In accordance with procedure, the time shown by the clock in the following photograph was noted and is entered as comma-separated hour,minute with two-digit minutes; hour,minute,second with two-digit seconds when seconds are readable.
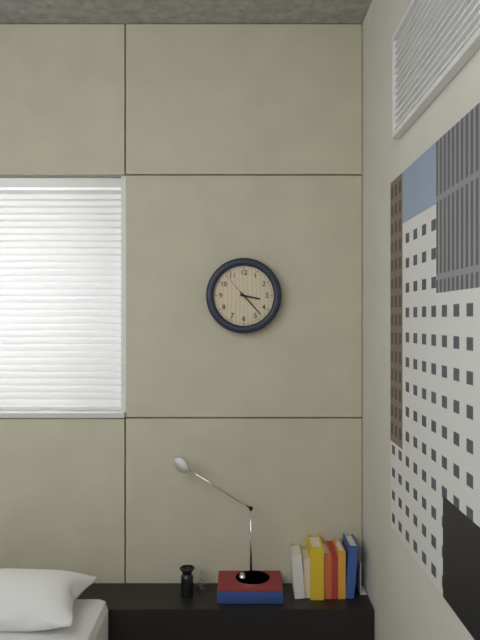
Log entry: 3,23
